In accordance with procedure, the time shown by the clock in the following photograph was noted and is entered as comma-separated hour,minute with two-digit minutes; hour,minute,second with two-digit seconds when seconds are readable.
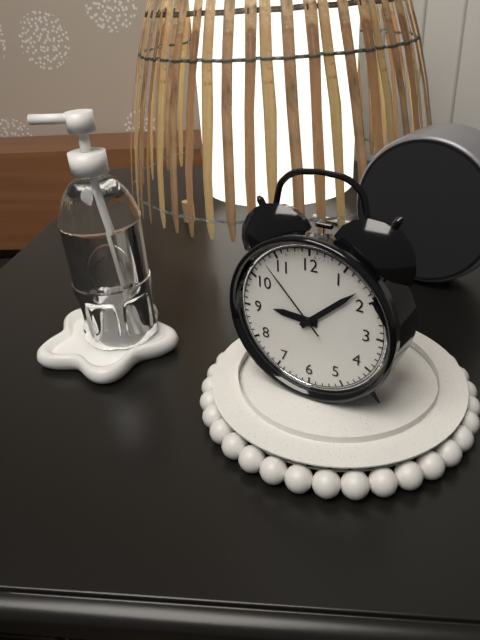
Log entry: 9,08,53
